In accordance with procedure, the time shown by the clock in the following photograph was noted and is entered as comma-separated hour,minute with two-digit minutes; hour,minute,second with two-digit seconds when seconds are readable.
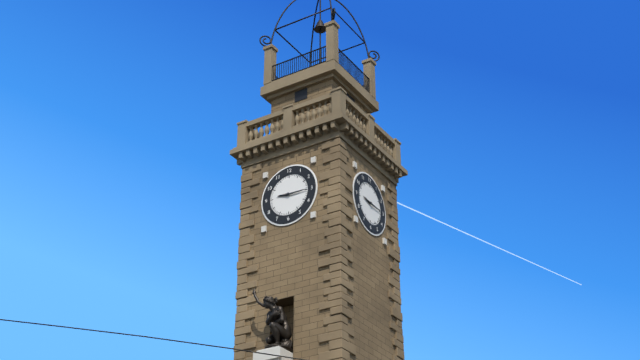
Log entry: 9,15
